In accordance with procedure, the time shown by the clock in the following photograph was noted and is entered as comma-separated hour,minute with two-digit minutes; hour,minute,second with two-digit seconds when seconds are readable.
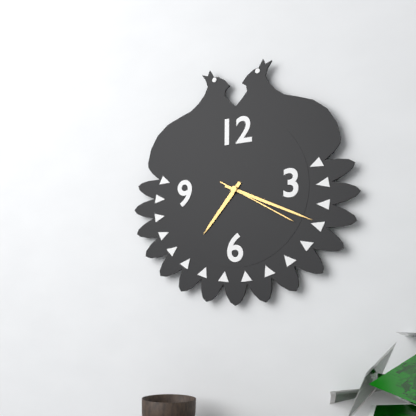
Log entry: 7,19,20
